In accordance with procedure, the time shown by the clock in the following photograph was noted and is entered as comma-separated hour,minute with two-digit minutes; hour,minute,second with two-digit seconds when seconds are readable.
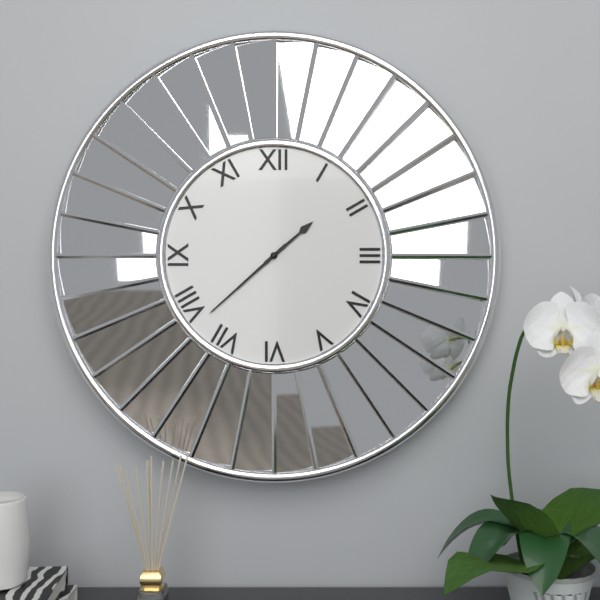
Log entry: 1,38
